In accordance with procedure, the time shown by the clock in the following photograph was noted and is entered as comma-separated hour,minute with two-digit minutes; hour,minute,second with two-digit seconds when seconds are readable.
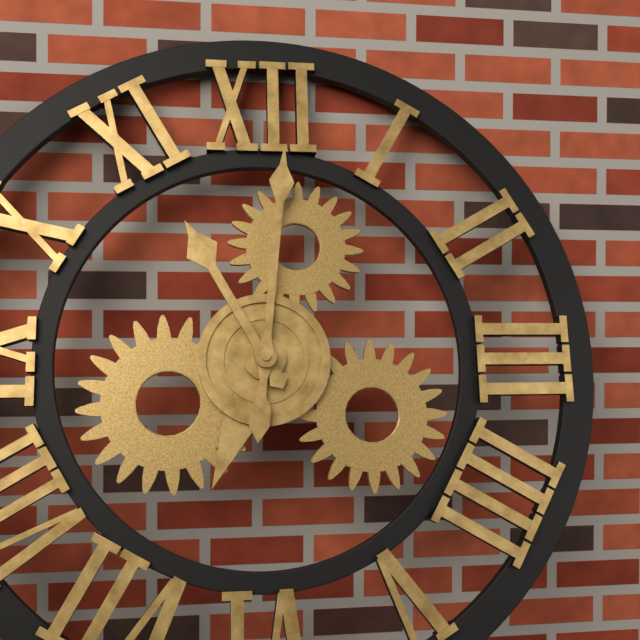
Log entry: 11,01
